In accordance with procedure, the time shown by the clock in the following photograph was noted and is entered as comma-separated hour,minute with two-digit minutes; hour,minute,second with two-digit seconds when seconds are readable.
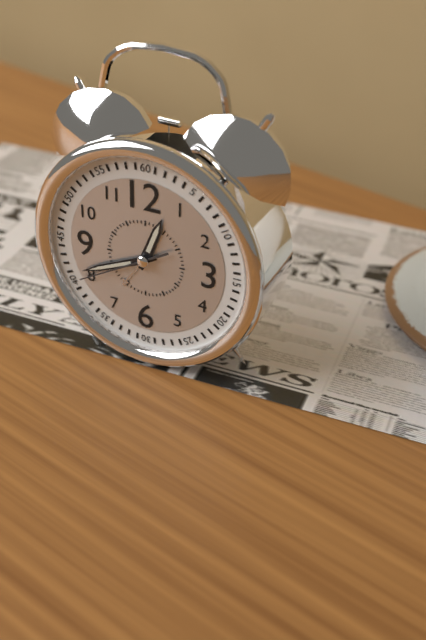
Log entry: 12,41,40
